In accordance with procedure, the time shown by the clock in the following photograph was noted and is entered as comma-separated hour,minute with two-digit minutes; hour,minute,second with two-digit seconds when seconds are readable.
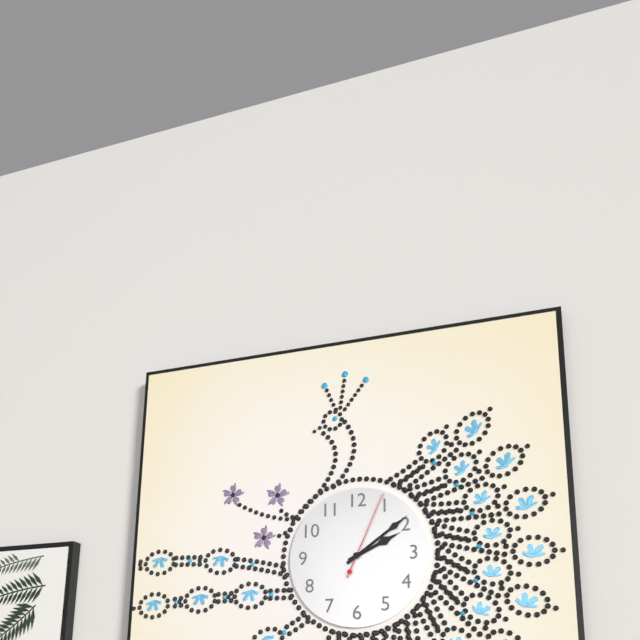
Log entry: 2,09,04
